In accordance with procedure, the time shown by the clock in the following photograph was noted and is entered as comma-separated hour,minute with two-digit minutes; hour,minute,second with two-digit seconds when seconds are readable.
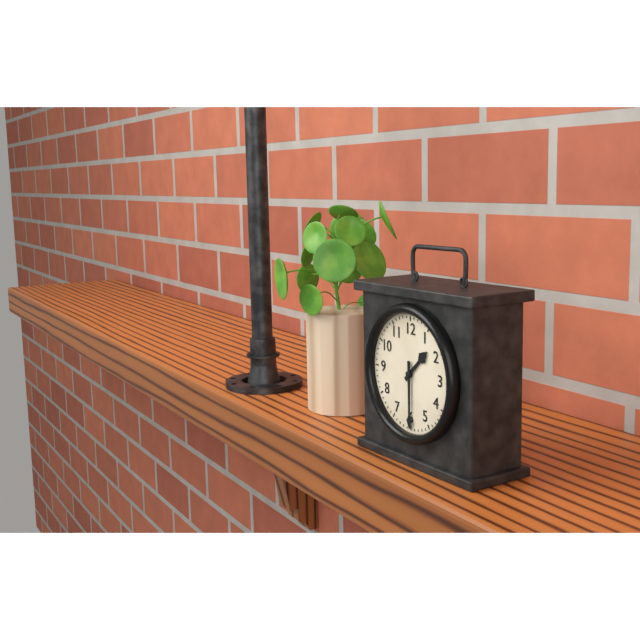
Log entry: 1,30
